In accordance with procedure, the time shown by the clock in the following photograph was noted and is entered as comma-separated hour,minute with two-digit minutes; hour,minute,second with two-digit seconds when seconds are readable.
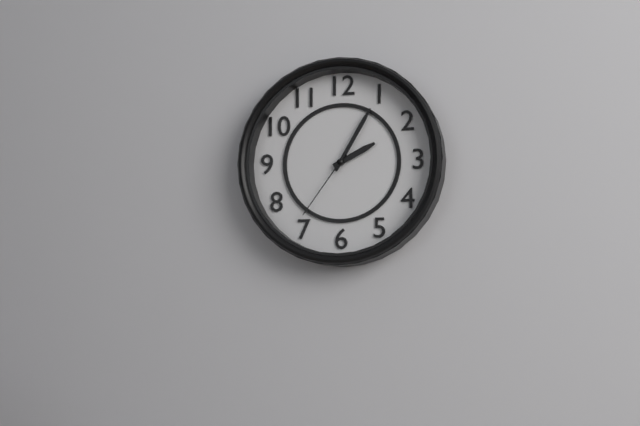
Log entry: 2,05,36
